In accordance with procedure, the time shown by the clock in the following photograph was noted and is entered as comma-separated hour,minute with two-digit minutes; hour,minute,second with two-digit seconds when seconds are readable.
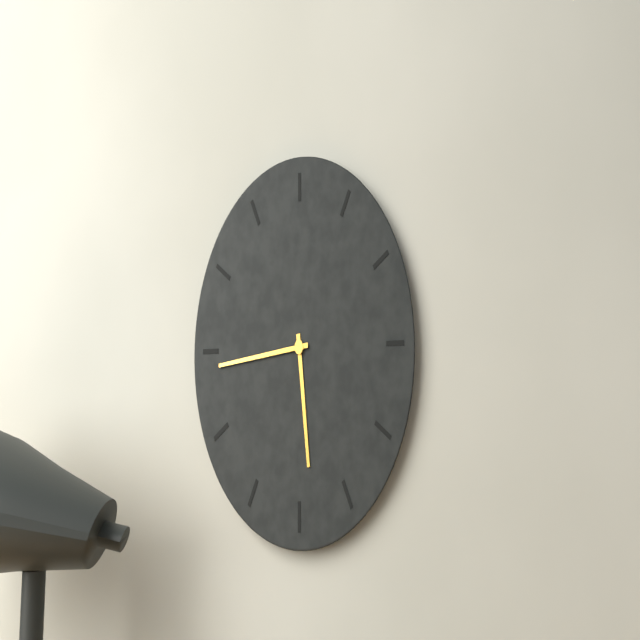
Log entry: 5,44
